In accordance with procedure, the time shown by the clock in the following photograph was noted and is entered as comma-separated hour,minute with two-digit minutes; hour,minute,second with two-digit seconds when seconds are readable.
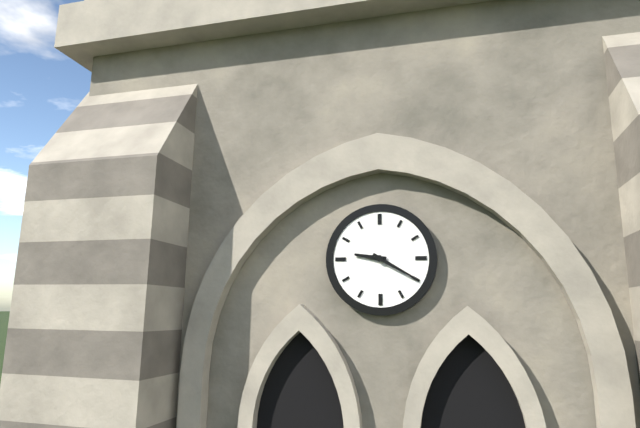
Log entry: 9,20
